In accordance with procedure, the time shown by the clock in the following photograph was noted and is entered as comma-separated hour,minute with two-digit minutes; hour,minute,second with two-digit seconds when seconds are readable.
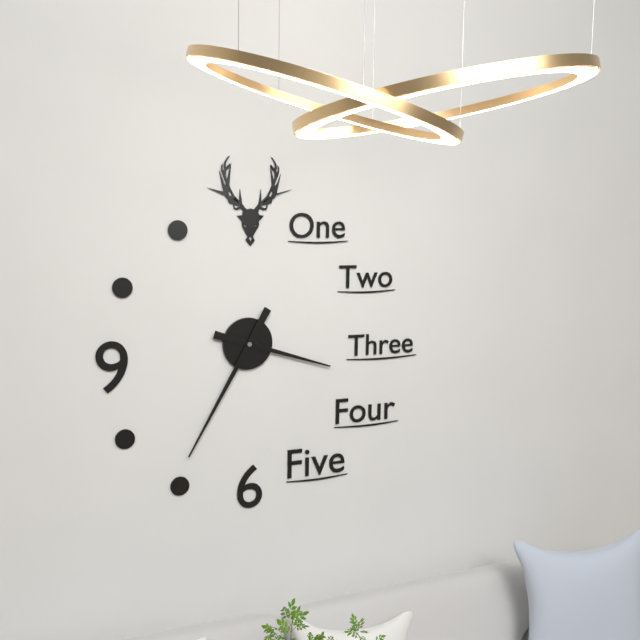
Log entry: 3,35
